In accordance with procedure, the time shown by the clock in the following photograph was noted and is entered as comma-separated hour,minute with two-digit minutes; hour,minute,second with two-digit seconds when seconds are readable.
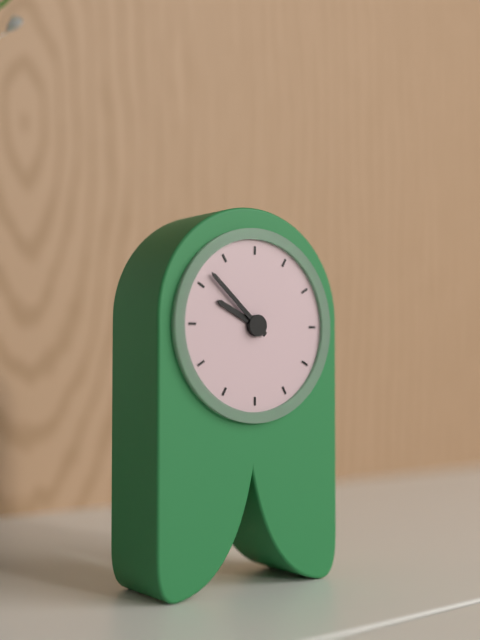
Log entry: 9,52
